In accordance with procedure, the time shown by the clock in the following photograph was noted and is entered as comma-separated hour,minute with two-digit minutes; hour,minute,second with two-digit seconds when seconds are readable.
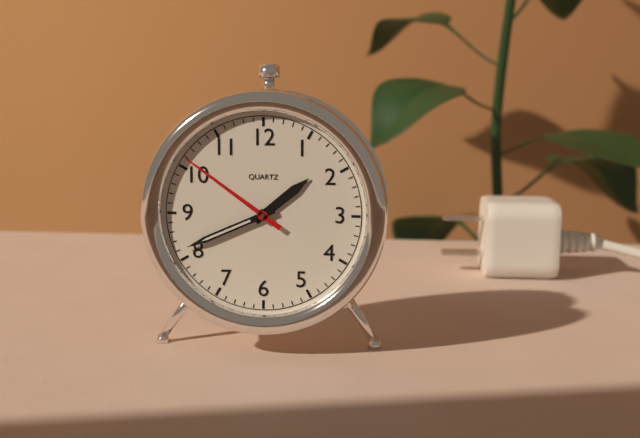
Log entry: 1,41,51
